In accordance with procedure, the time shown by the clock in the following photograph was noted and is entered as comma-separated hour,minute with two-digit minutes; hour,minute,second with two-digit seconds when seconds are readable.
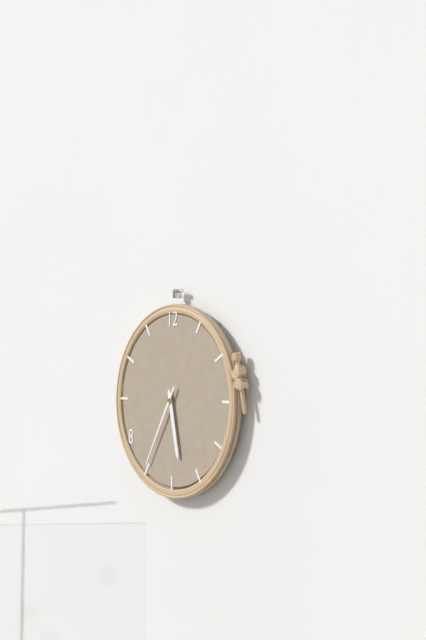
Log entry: 5,35
